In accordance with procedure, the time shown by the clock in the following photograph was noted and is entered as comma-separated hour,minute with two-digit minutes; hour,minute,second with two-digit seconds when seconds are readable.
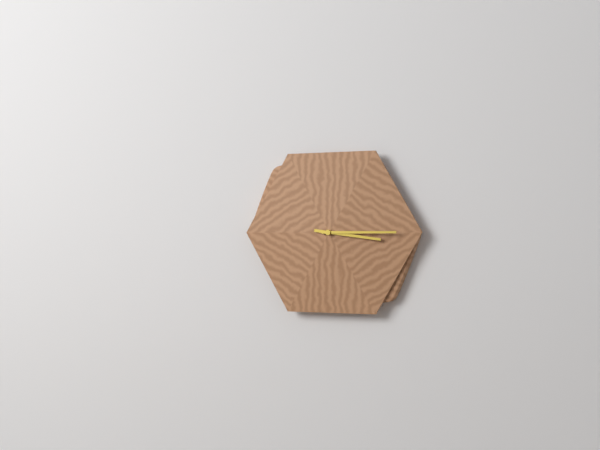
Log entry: 3,15
